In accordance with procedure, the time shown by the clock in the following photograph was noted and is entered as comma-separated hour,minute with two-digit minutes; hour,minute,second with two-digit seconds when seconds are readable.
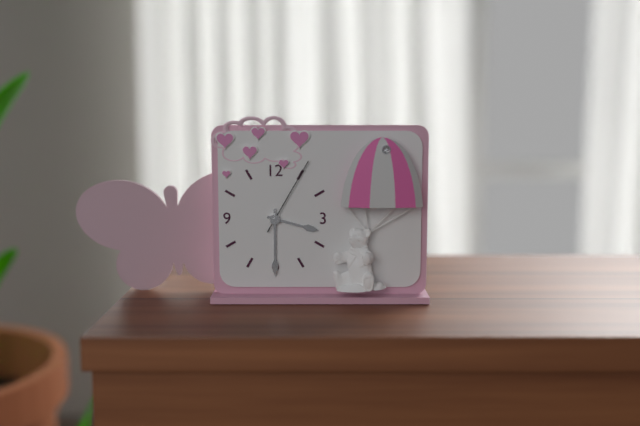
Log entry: 3,30,05
